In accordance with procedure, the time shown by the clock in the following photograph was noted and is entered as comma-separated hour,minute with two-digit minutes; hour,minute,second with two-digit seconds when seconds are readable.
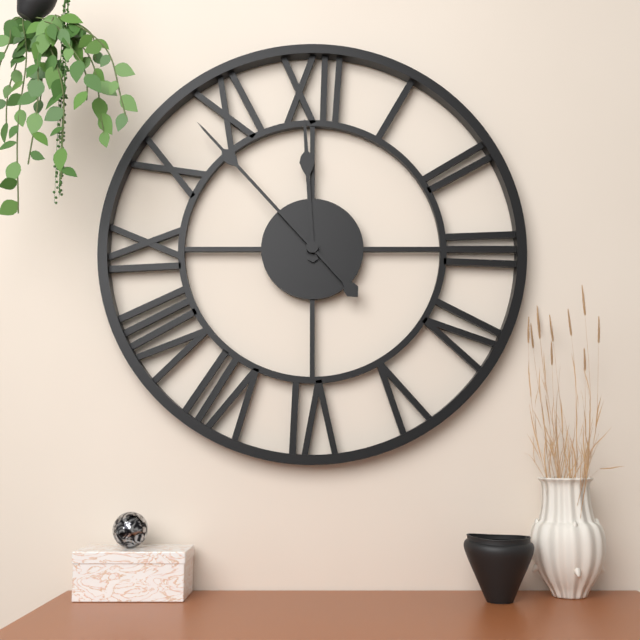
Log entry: 11,53
